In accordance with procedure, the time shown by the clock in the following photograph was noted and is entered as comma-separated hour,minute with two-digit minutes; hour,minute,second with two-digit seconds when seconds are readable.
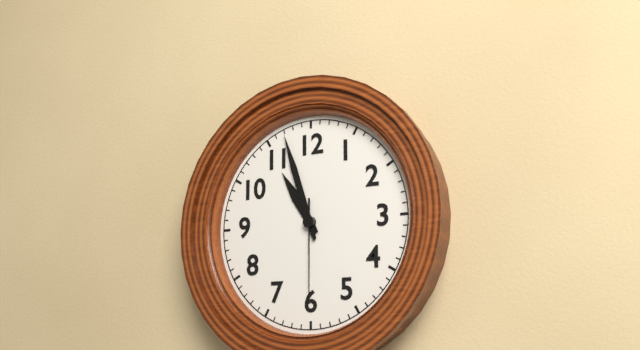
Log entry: 10,57,30
